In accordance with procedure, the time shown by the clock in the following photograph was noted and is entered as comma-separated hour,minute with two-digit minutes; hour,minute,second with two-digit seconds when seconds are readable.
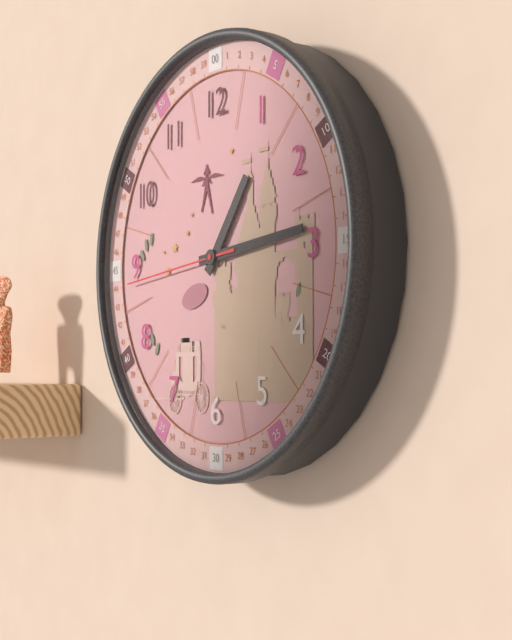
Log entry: 1,14,44
